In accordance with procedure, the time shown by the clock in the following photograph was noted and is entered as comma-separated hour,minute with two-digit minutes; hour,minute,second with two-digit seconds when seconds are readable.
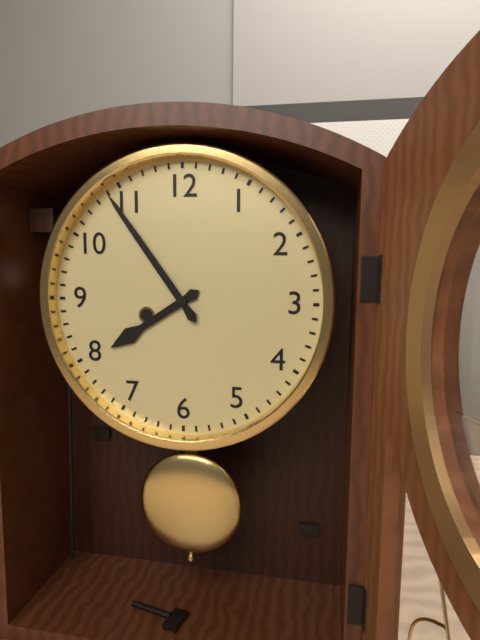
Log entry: 7,54
